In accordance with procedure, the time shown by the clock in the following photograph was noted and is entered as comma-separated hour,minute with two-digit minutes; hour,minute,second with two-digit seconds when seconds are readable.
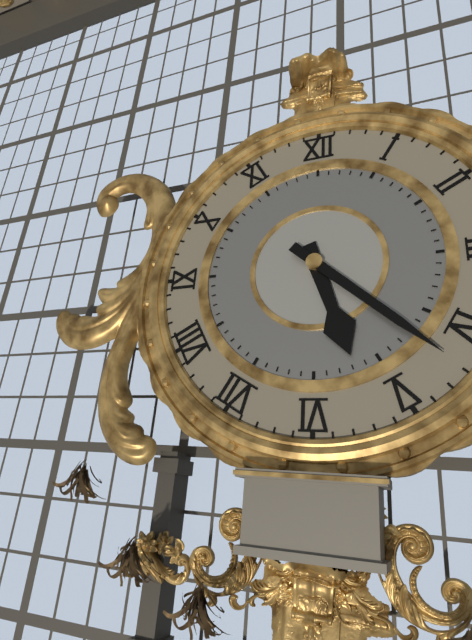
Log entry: 5,22
